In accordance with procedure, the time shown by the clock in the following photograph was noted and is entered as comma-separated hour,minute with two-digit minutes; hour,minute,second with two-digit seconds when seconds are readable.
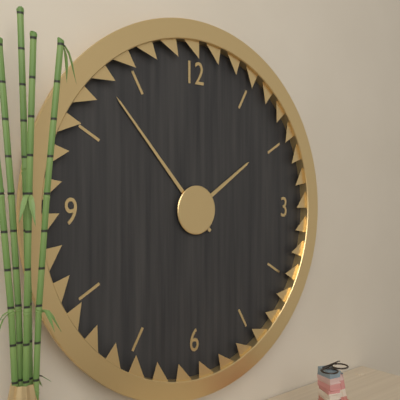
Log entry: 1,53
